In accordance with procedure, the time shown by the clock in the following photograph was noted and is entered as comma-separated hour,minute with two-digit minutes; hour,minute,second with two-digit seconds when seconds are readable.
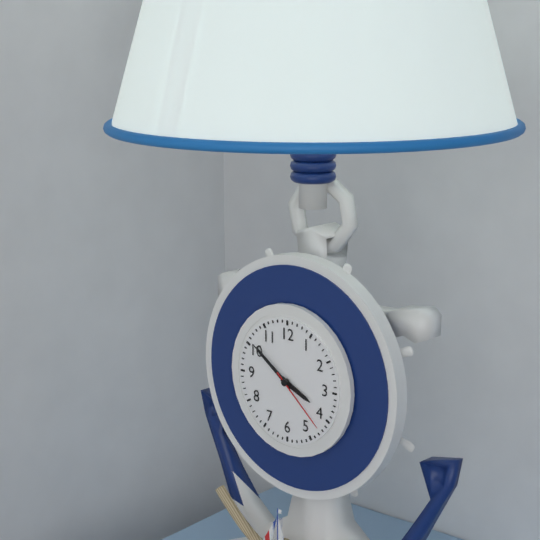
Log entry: 3,51,22
